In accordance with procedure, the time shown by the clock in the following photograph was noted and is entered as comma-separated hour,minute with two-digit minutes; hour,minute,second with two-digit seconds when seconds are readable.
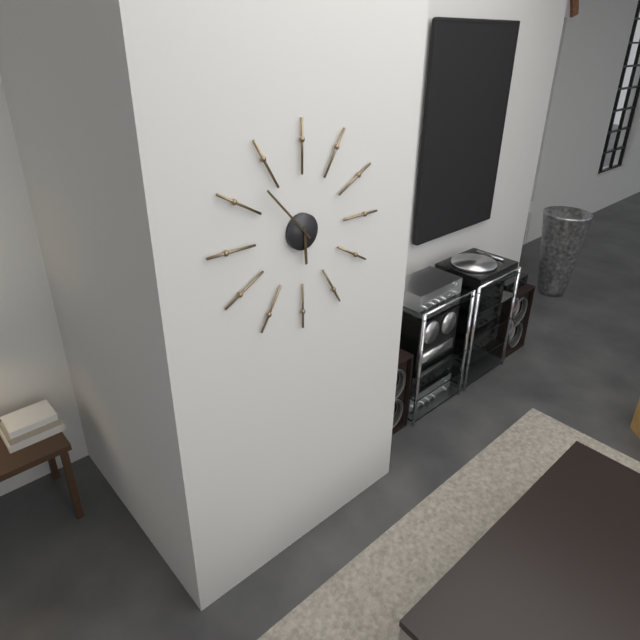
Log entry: 5,53
